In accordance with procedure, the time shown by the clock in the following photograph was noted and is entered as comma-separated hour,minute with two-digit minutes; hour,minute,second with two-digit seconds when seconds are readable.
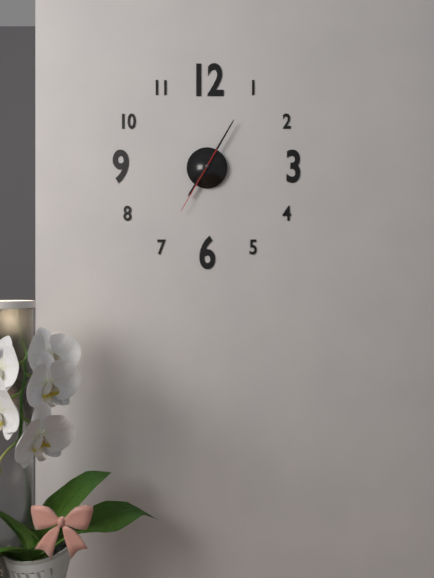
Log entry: 7,05,35
